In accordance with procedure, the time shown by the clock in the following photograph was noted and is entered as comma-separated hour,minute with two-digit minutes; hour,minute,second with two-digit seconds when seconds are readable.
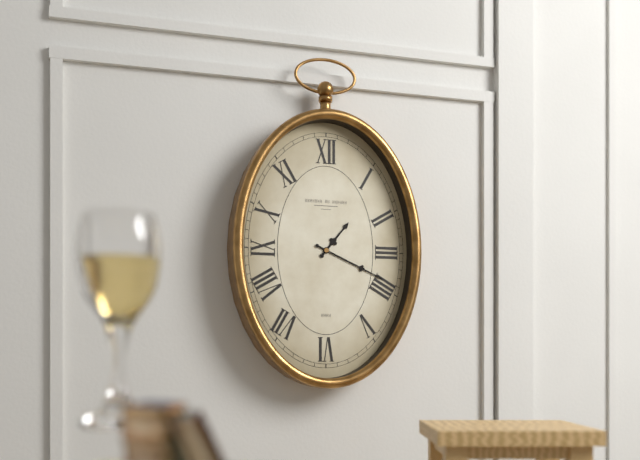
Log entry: 1,19
